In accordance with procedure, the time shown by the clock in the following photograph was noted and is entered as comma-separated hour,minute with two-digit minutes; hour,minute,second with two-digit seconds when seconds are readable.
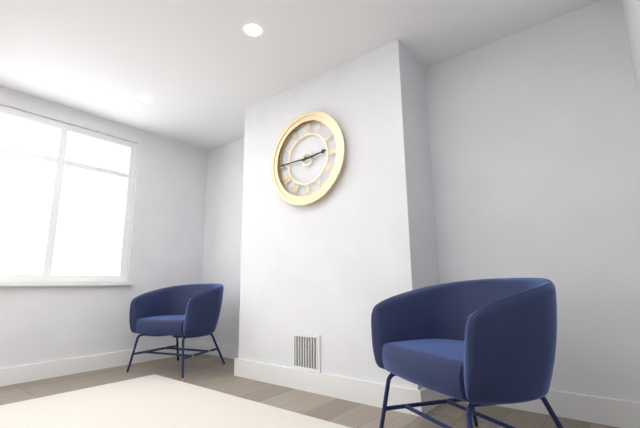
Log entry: 2,45
